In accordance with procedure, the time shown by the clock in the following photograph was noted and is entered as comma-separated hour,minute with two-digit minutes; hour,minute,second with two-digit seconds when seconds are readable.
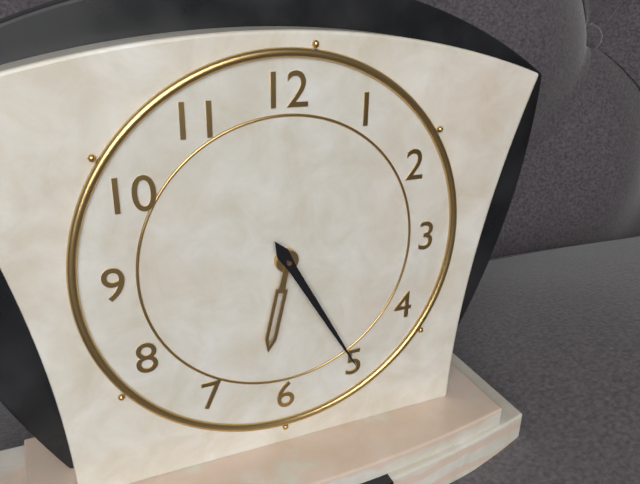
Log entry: 6,25
